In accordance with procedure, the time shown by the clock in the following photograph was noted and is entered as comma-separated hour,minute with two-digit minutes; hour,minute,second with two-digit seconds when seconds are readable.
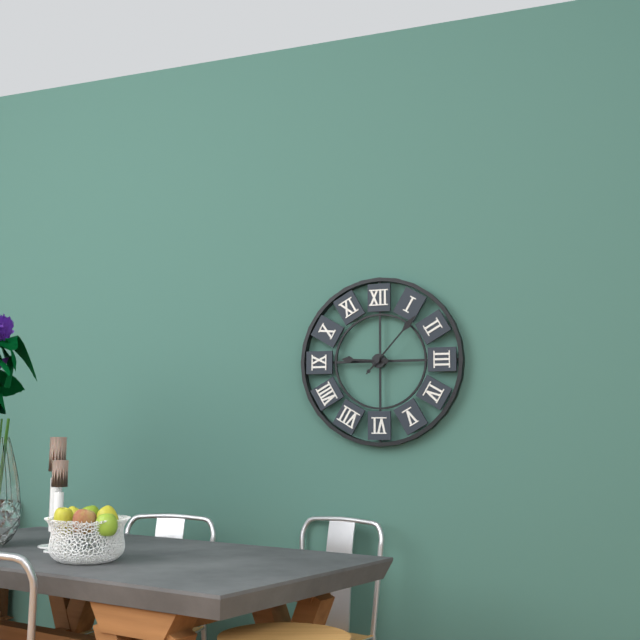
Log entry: 9,07
